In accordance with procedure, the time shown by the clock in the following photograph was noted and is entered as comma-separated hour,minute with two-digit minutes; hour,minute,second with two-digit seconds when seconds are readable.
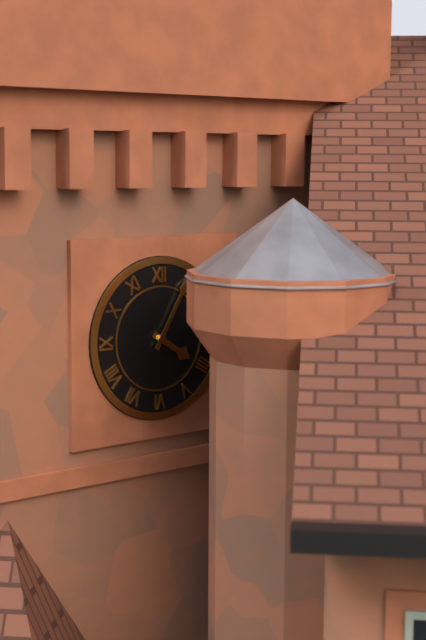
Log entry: 4,05
